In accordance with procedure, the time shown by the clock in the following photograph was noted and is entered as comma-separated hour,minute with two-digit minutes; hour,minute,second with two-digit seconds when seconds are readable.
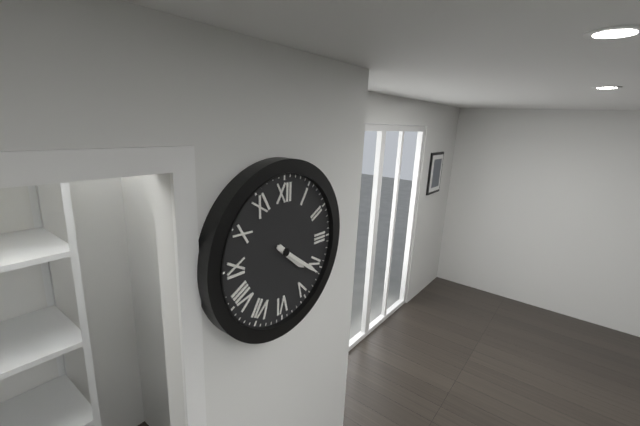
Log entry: 4,21
